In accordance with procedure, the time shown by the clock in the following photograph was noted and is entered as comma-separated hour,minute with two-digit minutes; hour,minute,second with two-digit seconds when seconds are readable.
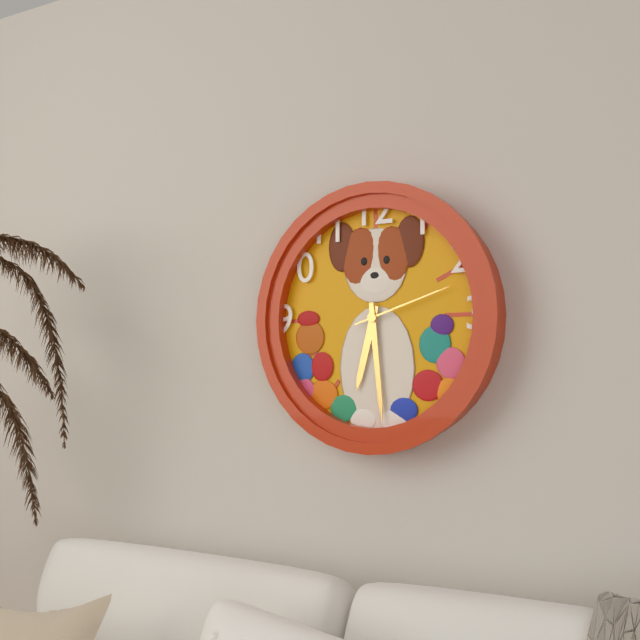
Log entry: 6,29,12
